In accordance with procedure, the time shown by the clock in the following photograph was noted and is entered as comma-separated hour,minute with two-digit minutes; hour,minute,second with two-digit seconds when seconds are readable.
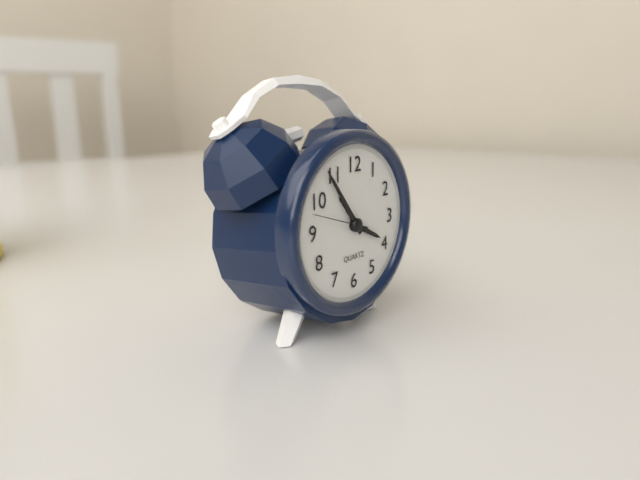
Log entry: 3,54,48
